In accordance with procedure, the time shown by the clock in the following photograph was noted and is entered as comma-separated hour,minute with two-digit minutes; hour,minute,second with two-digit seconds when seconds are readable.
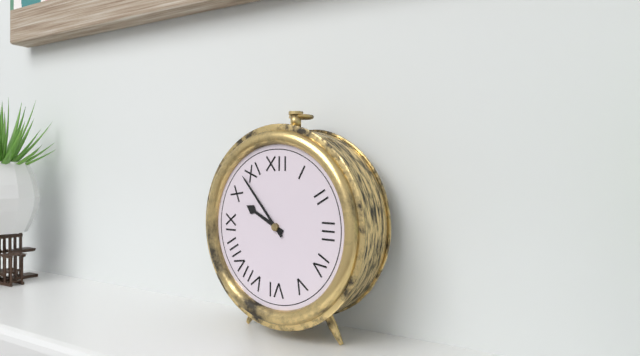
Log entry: 9,53
